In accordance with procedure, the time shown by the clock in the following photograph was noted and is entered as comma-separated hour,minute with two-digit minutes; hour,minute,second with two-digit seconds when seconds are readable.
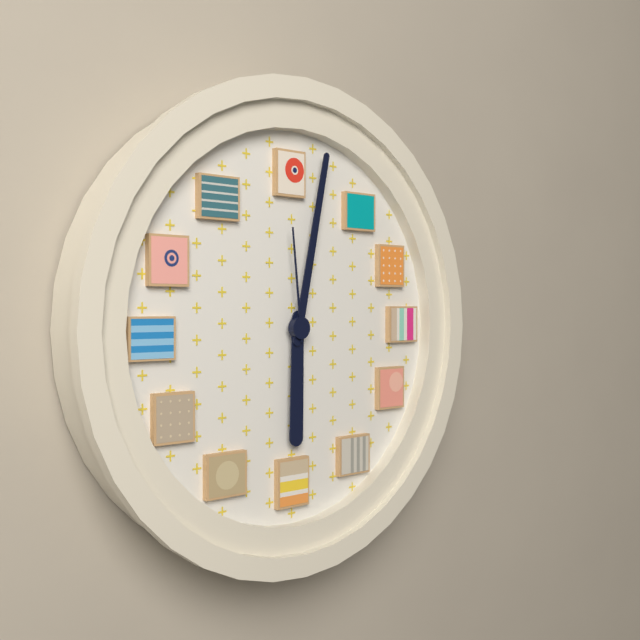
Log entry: 6,02,59
